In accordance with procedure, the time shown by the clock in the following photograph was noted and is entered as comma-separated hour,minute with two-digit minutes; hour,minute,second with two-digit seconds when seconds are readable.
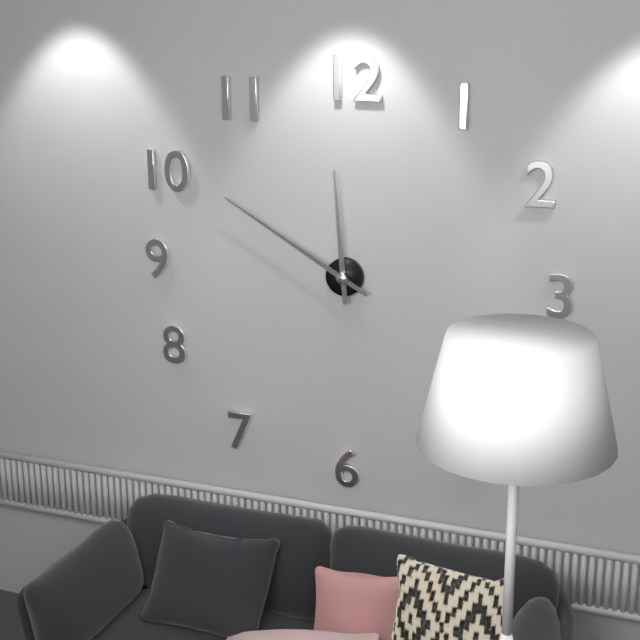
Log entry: 11,50
